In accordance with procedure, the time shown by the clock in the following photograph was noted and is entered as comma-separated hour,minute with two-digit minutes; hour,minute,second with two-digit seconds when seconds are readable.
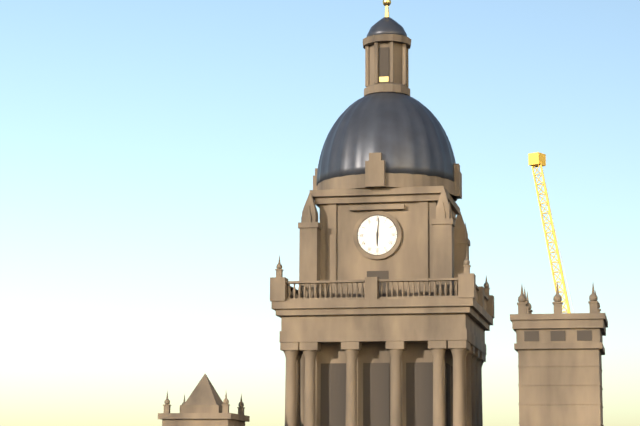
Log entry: 6,01
